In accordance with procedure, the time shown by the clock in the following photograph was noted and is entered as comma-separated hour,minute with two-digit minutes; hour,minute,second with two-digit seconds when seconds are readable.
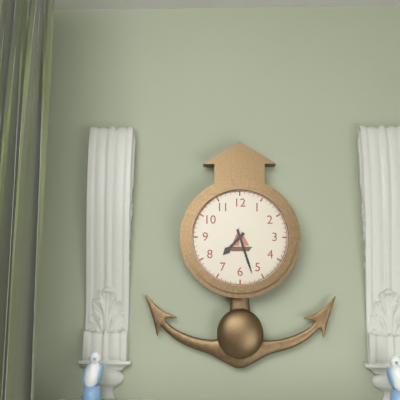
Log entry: 7,27
